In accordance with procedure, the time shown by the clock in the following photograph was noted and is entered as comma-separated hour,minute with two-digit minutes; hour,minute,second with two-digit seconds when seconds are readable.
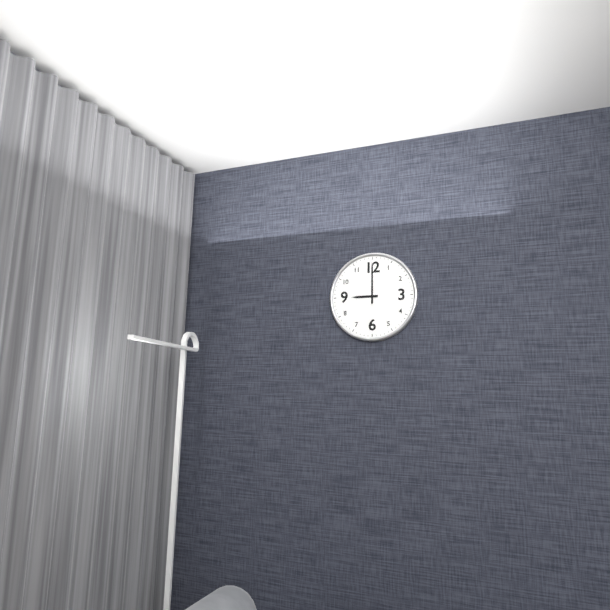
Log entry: 9,00
